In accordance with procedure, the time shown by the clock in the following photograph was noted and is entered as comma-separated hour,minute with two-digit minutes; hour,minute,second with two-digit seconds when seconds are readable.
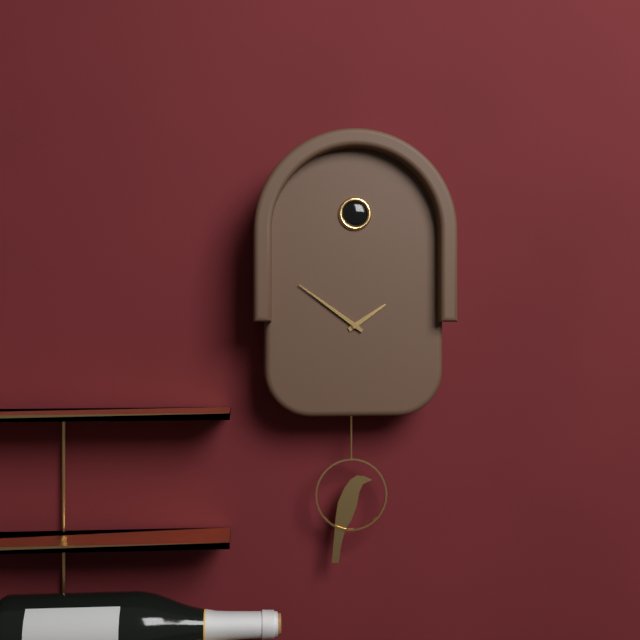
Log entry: 1,51
